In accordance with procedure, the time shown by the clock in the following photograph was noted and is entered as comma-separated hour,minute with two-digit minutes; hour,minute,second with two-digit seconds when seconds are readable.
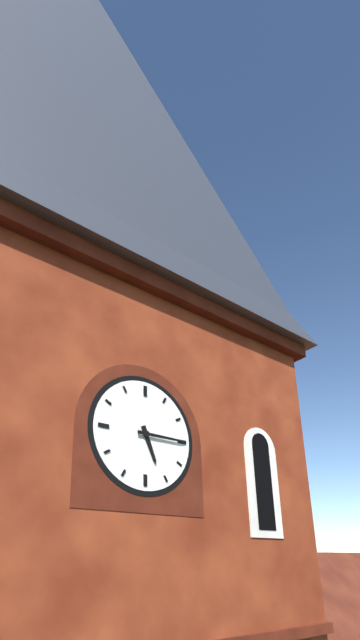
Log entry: 5,15
